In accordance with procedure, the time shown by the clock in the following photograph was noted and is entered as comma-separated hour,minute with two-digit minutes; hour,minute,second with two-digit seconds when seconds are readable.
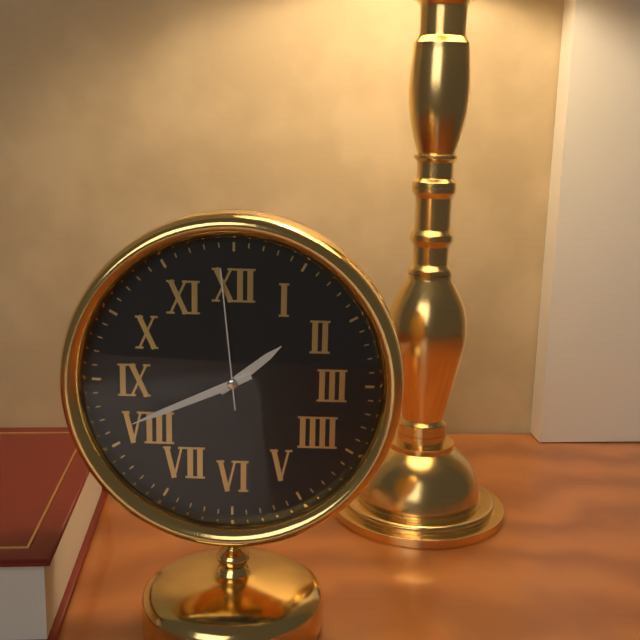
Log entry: 1,41,59
